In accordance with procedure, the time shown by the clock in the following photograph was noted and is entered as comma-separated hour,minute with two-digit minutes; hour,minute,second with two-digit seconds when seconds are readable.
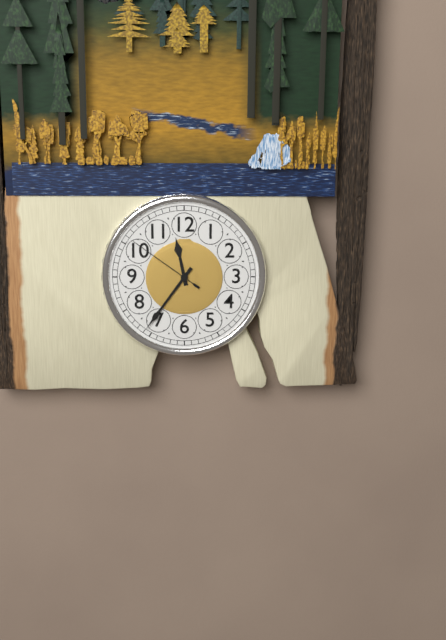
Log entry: 11,36,51
